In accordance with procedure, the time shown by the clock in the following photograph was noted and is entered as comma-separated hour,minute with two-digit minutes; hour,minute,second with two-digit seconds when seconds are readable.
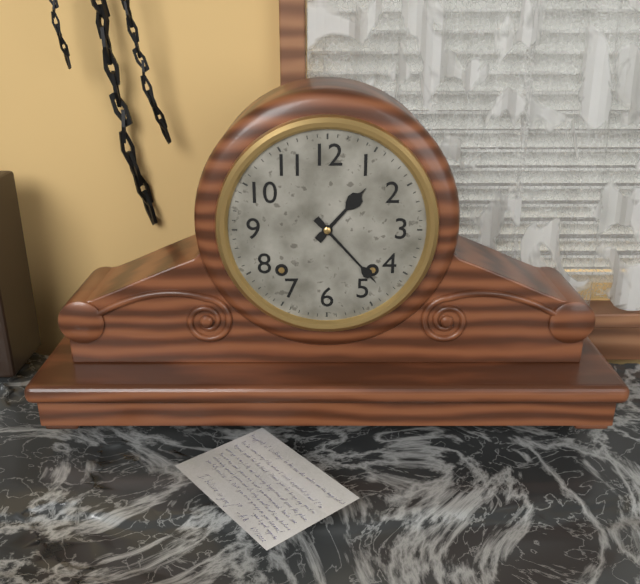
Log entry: 1,23
